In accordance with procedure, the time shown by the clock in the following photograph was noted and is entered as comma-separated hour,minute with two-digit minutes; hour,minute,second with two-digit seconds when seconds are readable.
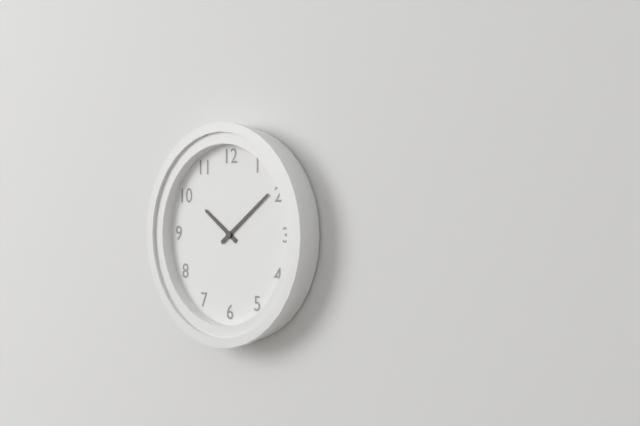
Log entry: 10,09
